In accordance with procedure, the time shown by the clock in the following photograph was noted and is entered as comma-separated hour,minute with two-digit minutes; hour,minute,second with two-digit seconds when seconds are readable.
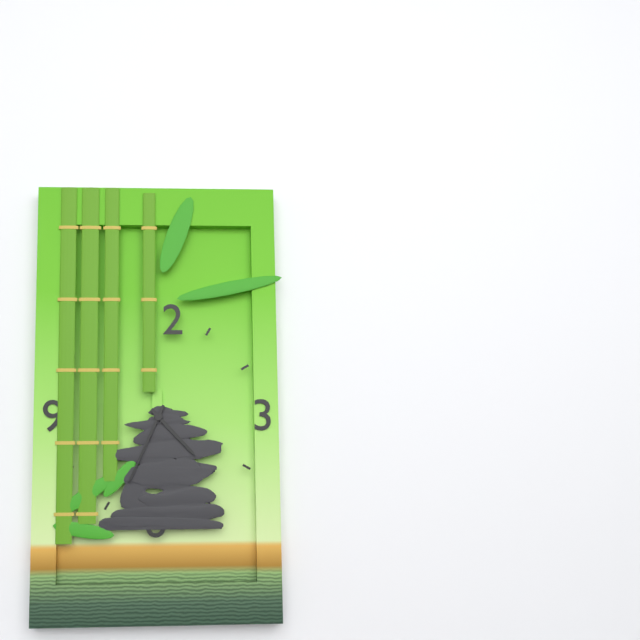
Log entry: 4,34
